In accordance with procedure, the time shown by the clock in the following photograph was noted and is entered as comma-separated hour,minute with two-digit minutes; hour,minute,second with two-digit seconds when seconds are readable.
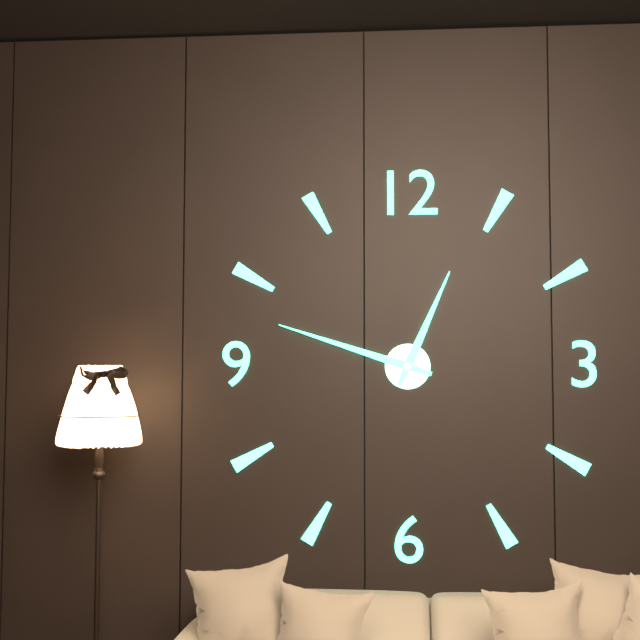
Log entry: 12,48
